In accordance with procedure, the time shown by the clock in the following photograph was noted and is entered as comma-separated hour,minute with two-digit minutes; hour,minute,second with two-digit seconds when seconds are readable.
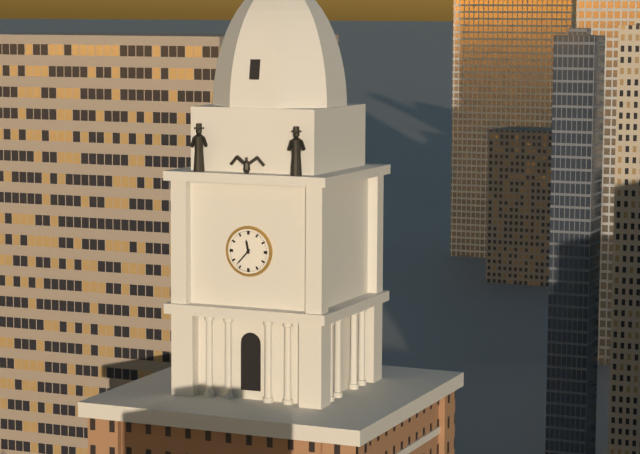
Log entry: 11,37
